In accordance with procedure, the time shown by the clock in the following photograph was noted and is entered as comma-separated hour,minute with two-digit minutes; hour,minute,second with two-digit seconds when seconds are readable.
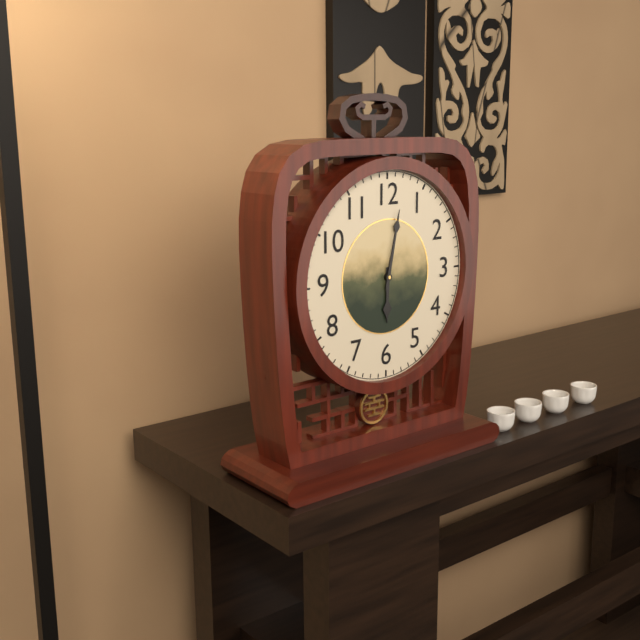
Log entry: 6,02
